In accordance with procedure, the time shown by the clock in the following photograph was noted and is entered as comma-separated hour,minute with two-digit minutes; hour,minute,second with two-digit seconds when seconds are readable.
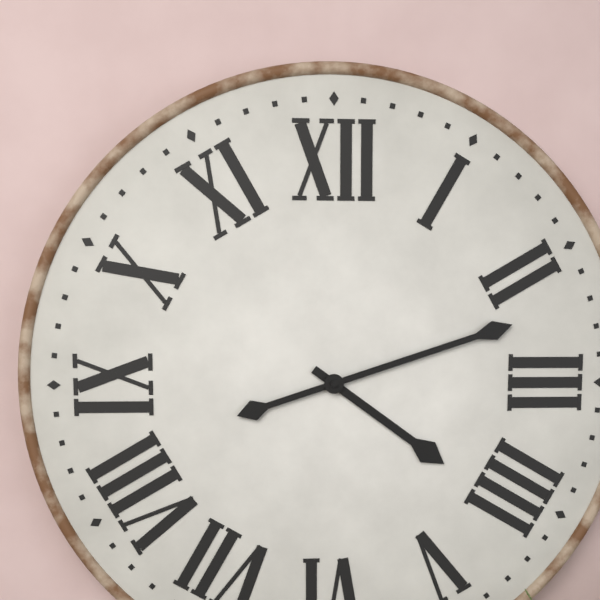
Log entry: 4,12
